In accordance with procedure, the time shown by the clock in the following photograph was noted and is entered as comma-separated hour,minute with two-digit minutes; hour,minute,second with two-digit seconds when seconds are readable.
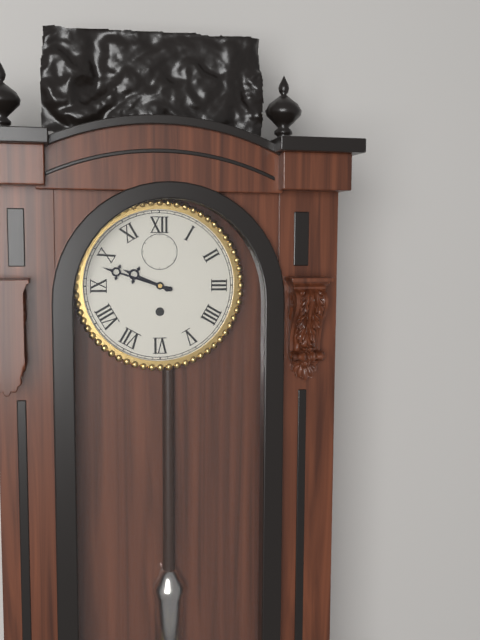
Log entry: 9,48
